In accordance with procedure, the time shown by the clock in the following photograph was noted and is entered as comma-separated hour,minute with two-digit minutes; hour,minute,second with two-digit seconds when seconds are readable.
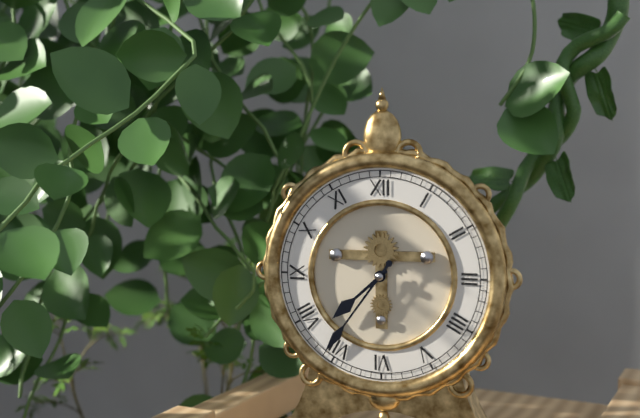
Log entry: 7,36
